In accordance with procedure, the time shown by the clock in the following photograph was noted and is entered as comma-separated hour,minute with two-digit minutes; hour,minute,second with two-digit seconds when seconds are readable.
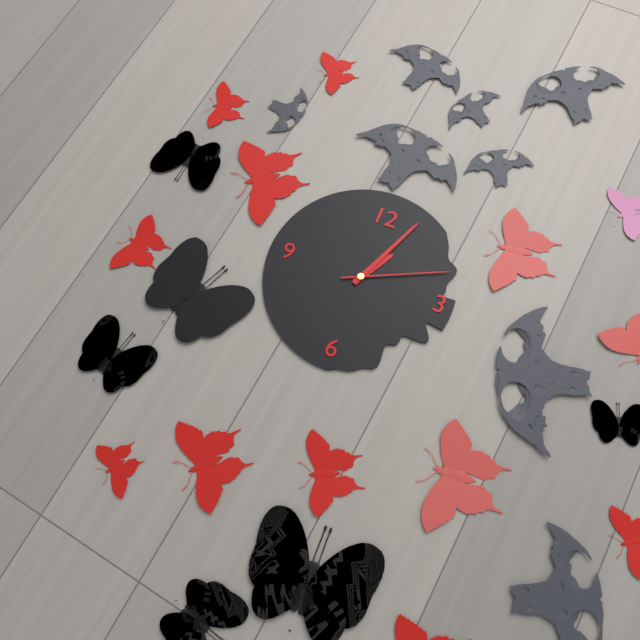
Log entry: 1,04,11
